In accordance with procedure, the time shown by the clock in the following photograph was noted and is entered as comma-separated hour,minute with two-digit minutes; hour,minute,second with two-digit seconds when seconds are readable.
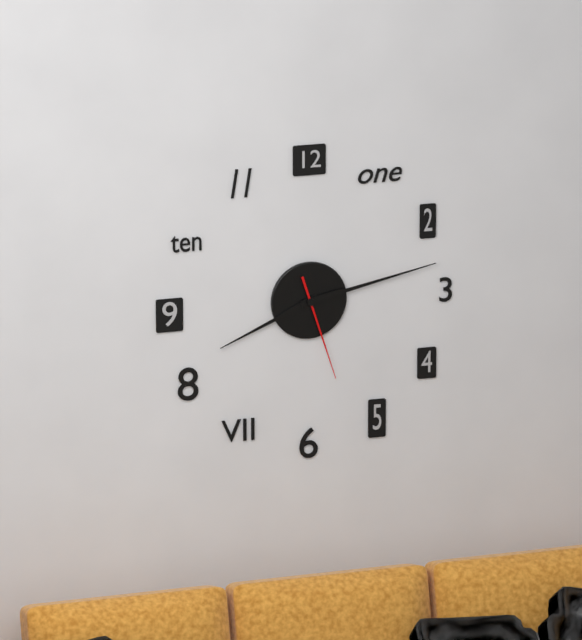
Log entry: 8,13,27
